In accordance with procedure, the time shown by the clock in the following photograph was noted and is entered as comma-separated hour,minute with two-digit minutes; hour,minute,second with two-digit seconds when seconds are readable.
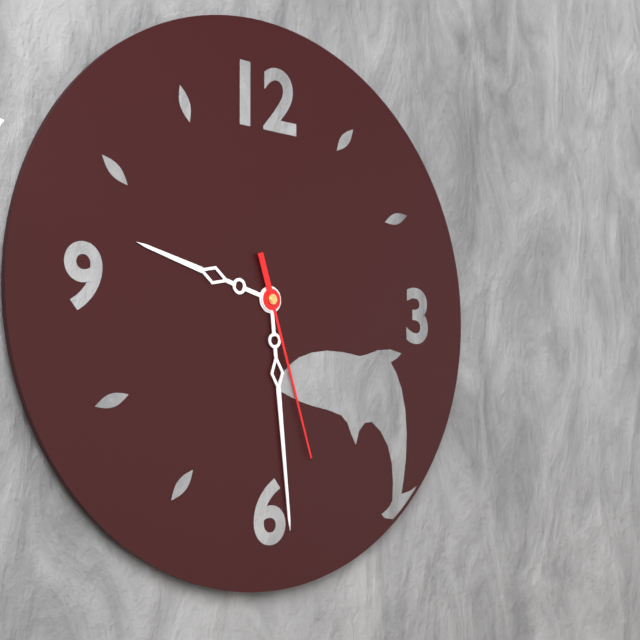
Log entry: 9,29,27
